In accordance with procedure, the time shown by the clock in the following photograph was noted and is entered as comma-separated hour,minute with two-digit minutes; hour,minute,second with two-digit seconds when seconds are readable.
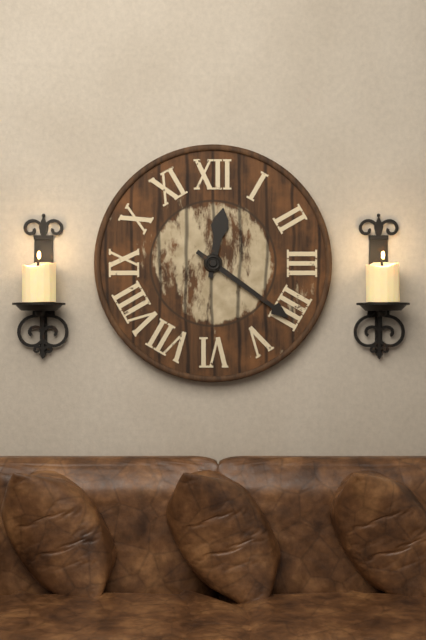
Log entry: 12,21
